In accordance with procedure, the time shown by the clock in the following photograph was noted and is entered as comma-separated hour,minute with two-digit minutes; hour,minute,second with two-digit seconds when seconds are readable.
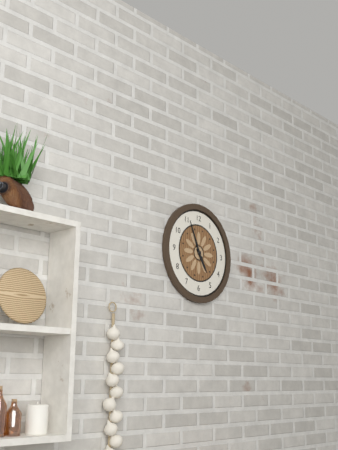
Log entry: 4,56
